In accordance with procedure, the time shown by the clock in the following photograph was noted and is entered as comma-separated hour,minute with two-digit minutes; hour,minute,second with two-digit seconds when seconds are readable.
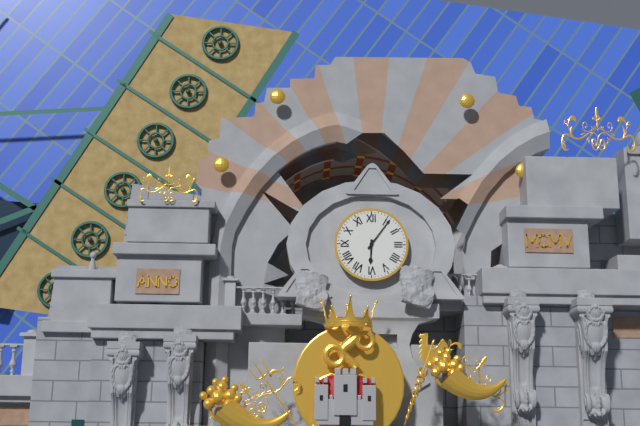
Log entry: 6,06
